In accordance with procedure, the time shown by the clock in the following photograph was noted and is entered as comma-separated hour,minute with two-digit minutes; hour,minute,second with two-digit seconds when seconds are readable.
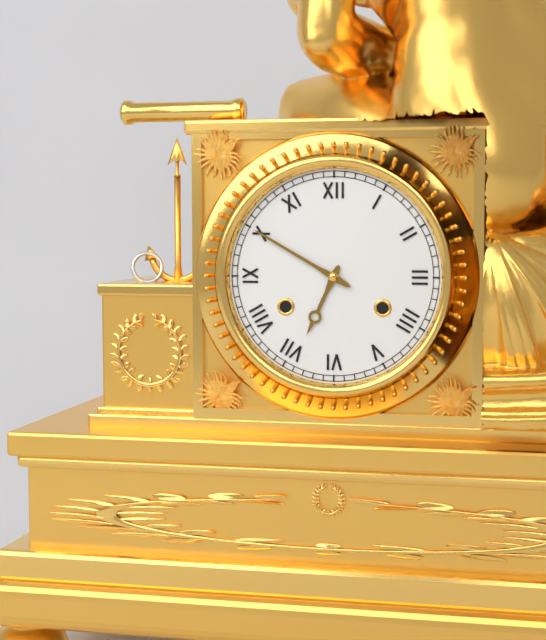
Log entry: 6,50
